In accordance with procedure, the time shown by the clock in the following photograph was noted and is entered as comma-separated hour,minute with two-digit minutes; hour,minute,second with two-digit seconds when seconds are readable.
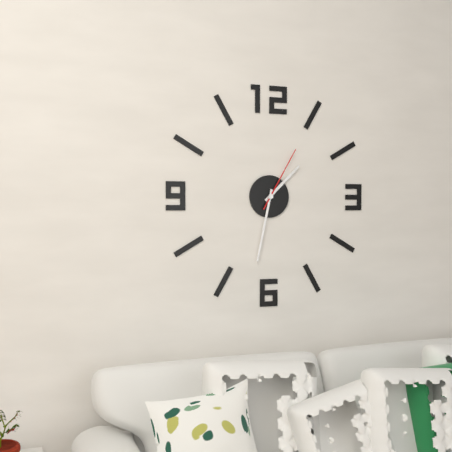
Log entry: 1,32,05
